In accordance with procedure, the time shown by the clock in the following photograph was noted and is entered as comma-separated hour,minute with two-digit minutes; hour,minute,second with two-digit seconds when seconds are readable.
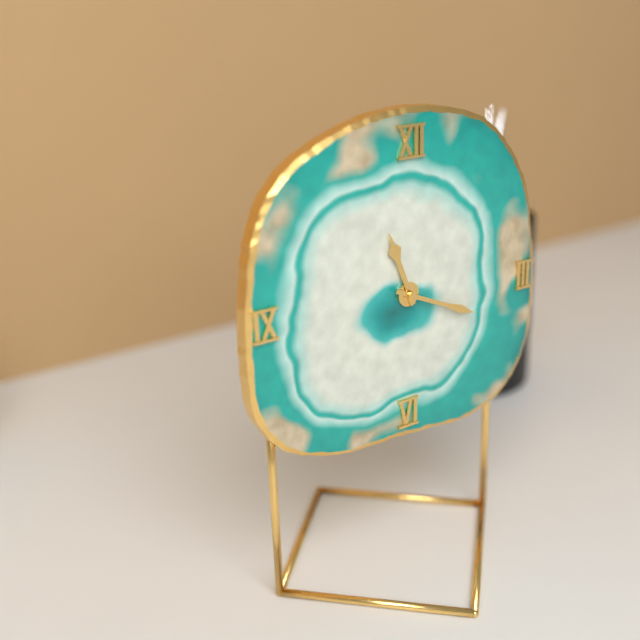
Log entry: 11,19
